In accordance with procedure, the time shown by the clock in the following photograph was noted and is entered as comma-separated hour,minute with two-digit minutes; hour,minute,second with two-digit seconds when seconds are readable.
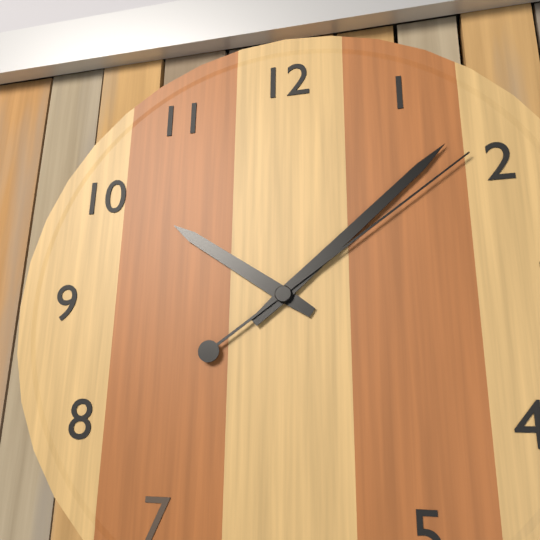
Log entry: 10,08,09
